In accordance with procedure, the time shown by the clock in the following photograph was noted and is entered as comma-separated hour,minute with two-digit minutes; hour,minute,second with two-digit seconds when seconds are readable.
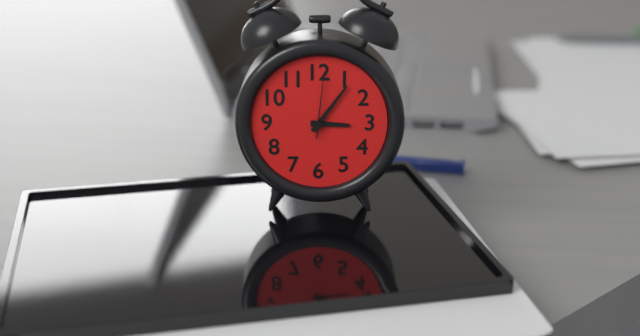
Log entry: 3,06,01
